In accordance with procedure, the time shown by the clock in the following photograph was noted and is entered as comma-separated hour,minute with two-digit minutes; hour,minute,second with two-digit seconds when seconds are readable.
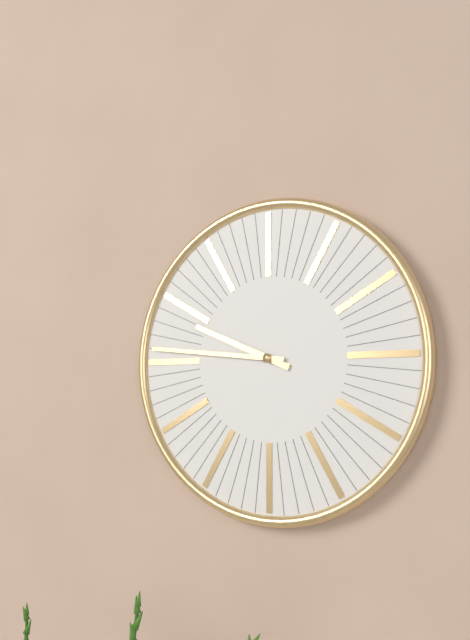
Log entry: 9,46
